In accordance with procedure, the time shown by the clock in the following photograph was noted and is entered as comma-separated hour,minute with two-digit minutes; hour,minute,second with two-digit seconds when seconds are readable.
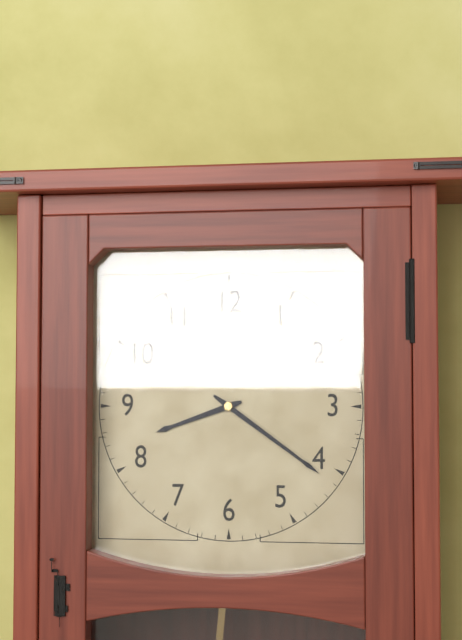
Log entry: 8,21
